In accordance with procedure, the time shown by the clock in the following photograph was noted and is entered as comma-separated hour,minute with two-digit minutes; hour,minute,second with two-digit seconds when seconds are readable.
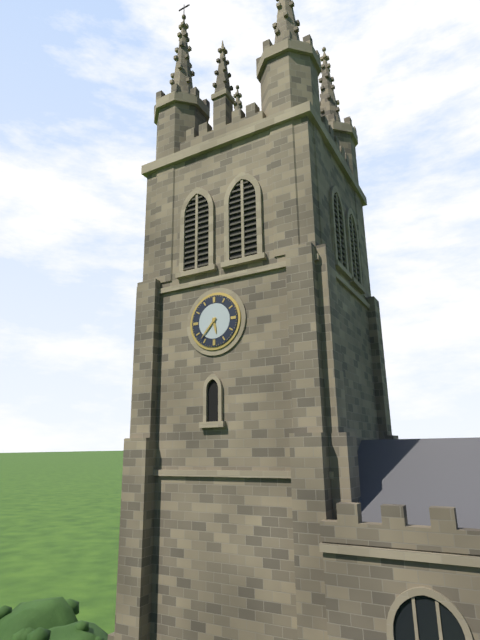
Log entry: 5,37
